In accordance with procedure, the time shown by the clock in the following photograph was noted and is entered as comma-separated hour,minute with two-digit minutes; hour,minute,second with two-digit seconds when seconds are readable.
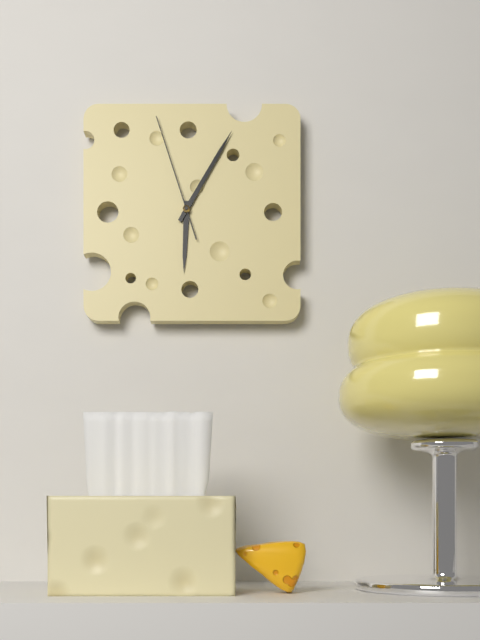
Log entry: 6,05,57
